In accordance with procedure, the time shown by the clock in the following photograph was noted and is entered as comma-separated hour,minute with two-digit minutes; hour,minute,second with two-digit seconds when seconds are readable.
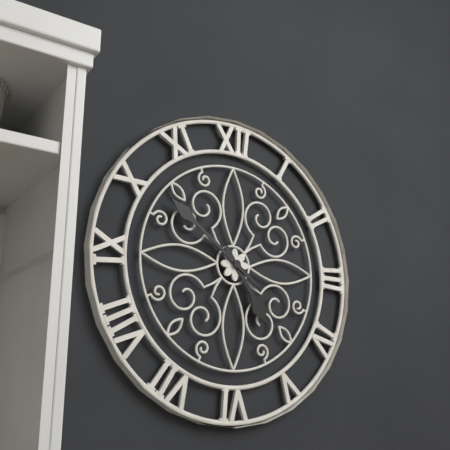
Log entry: 4,51
